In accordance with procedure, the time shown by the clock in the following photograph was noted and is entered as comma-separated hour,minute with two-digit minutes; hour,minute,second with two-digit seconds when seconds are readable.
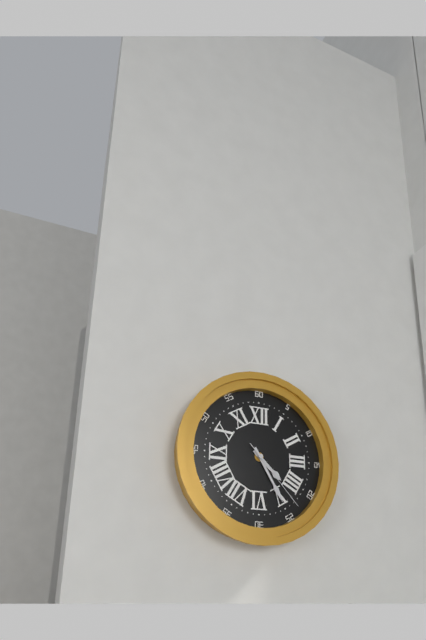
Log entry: 4,25,23
